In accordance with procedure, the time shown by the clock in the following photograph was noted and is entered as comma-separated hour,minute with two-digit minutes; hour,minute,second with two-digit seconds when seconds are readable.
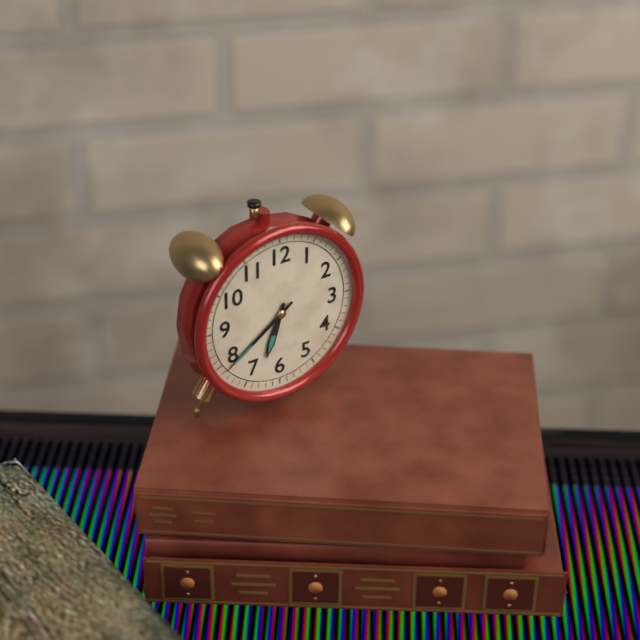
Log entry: 6,39
